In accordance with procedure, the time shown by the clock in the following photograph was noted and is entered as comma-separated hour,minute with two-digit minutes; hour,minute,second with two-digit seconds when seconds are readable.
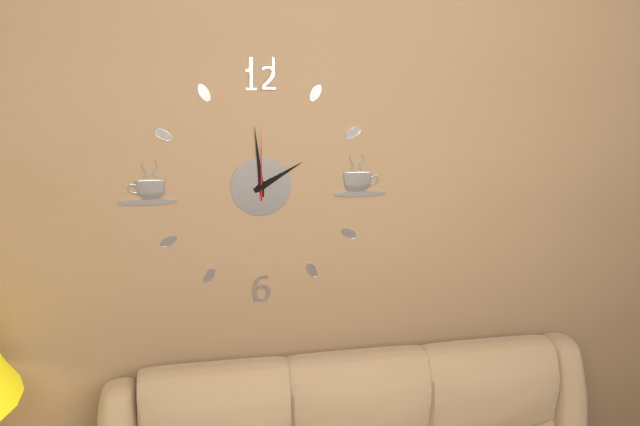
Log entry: 1,59,00
